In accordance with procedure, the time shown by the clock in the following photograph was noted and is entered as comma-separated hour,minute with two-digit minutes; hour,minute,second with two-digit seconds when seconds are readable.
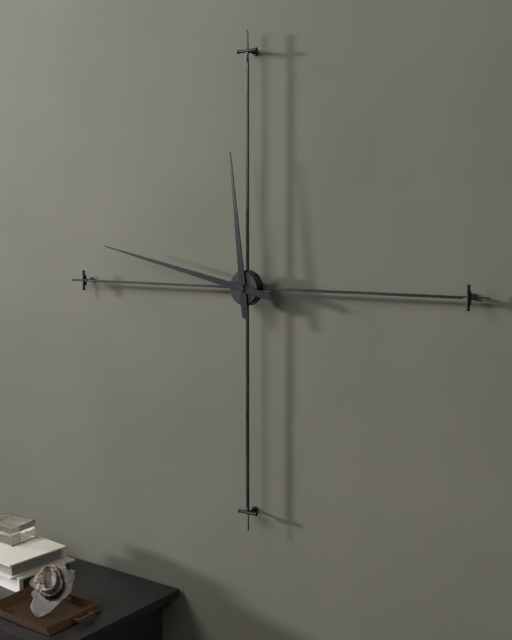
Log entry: 11,47
